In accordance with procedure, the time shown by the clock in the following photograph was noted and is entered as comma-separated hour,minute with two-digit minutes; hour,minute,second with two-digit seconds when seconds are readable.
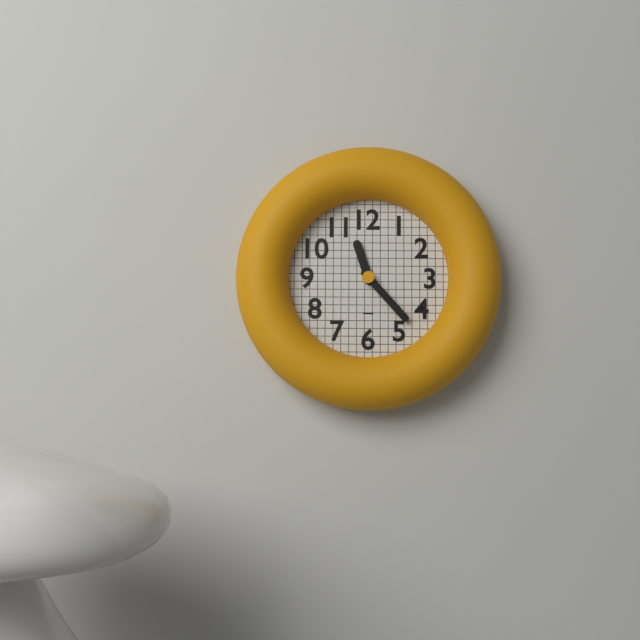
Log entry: 11,23
